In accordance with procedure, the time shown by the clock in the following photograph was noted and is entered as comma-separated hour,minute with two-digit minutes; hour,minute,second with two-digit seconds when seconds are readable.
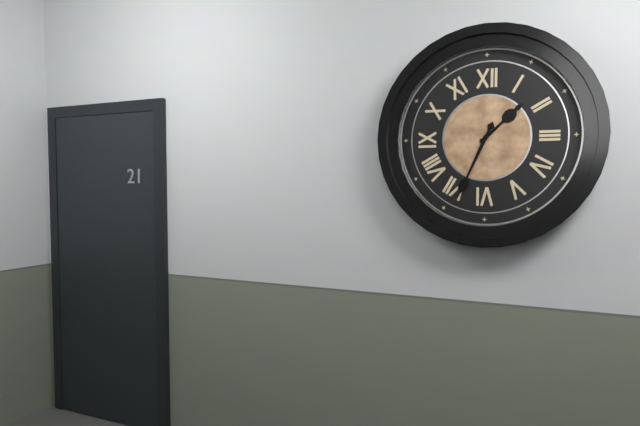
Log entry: 1,34
